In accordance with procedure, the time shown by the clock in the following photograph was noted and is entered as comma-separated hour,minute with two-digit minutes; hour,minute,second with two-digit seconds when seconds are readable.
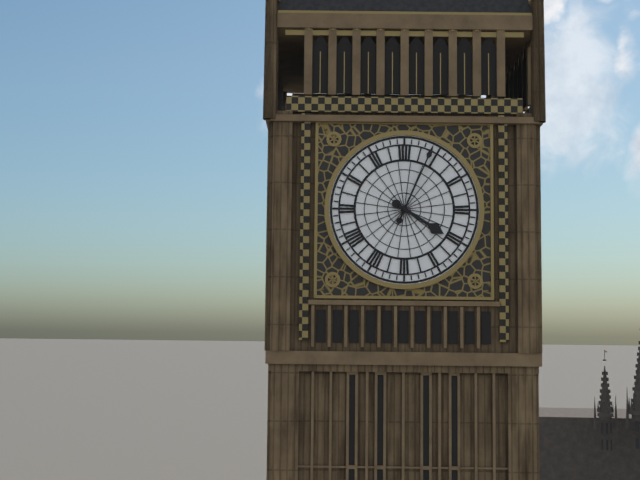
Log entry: 4,04
